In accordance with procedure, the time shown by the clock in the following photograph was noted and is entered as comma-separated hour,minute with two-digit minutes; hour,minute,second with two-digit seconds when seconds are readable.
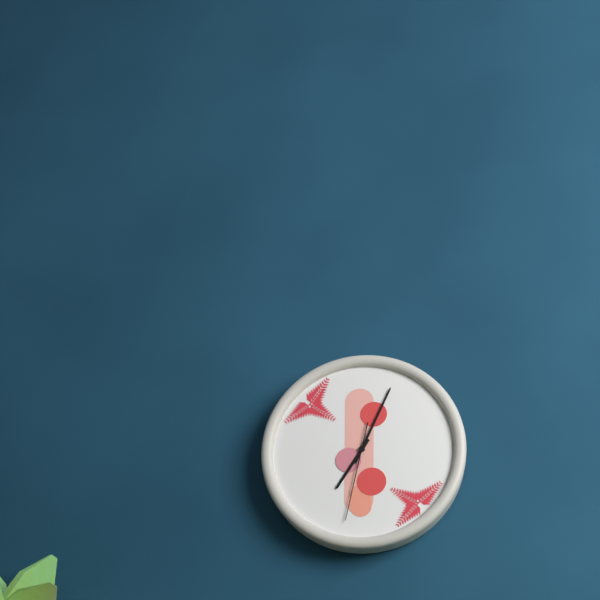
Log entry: 7,04,32
